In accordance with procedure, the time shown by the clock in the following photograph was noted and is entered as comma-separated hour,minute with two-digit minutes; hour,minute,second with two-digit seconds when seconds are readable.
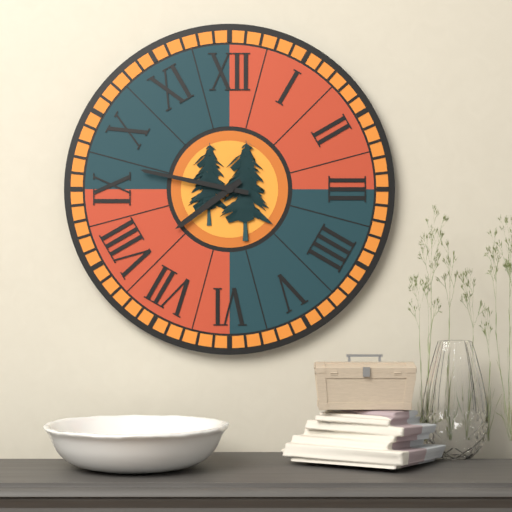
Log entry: 7,47
